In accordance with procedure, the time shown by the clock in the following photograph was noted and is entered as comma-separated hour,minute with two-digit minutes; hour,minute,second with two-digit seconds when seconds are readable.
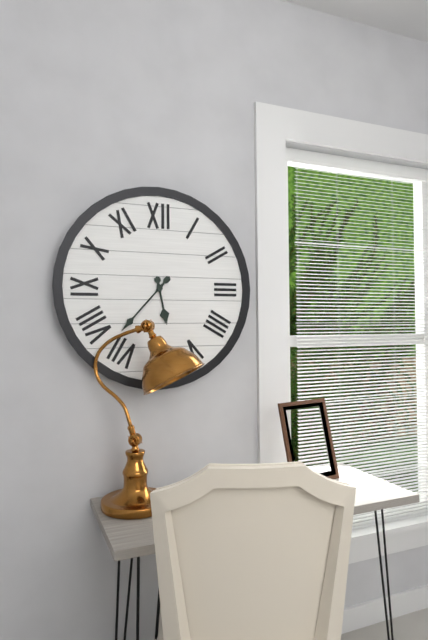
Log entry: 5,37
